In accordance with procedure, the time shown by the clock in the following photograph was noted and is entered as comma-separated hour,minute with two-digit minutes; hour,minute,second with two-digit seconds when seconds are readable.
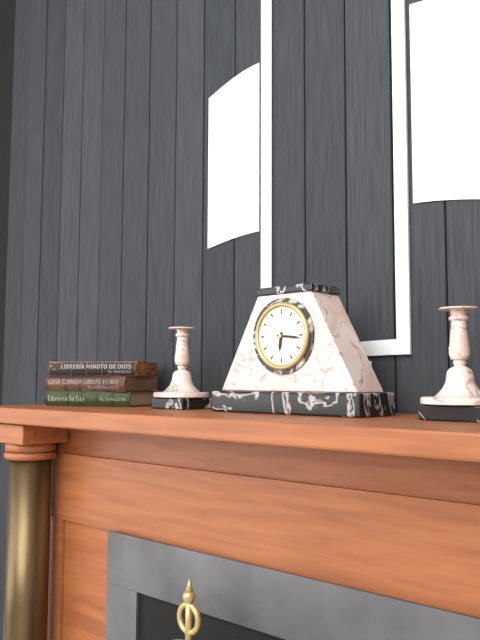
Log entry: 6,16
